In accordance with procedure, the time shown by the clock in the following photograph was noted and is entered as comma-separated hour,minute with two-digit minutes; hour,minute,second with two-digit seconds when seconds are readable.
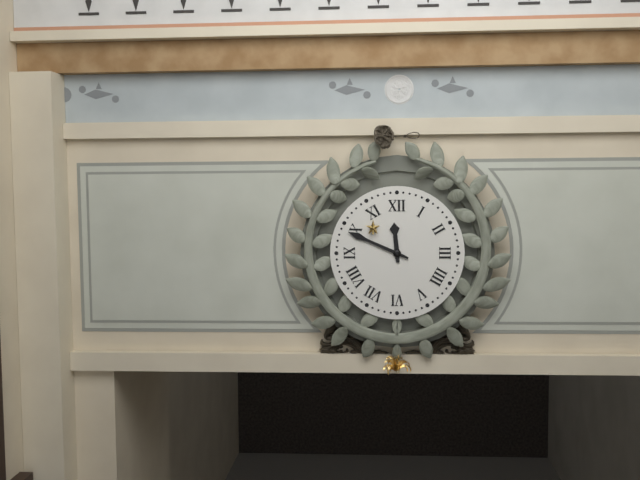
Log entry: 11,49
